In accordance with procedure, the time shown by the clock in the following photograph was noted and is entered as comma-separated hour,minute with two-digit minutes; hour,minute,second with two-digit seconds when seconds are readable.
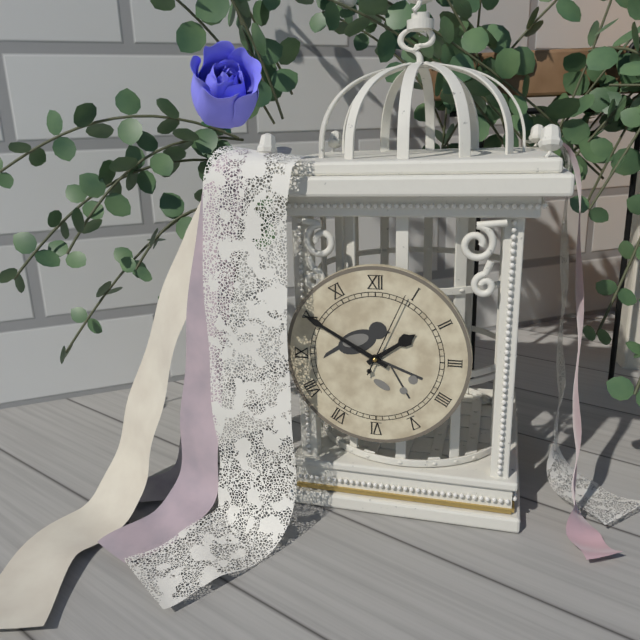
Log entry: 1,50,04
